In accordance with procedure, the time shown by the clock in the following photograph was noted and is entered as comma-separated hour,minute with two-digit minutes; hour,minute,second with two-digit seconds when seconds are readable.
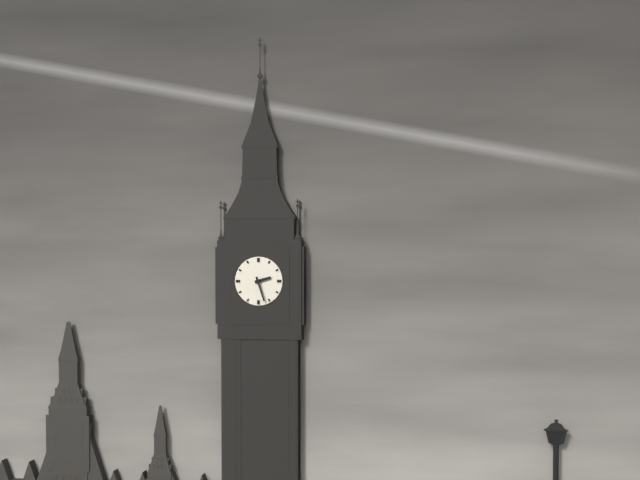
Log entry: 2,27
